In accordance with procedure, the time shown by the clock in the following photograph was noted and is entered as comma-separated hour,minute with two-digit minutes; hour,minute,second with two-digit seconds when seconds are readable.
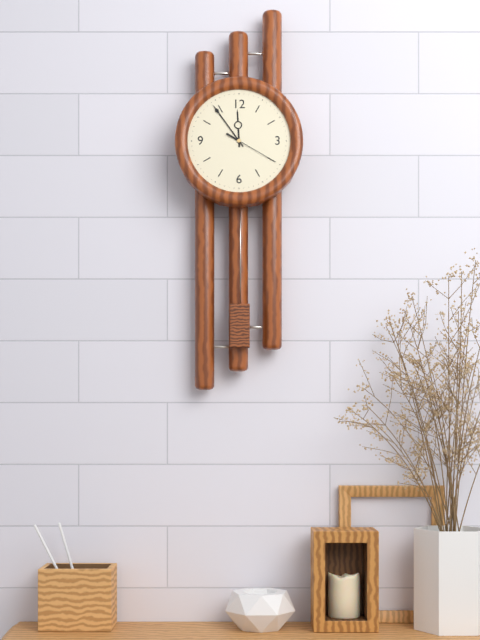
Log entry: 11,54,20
